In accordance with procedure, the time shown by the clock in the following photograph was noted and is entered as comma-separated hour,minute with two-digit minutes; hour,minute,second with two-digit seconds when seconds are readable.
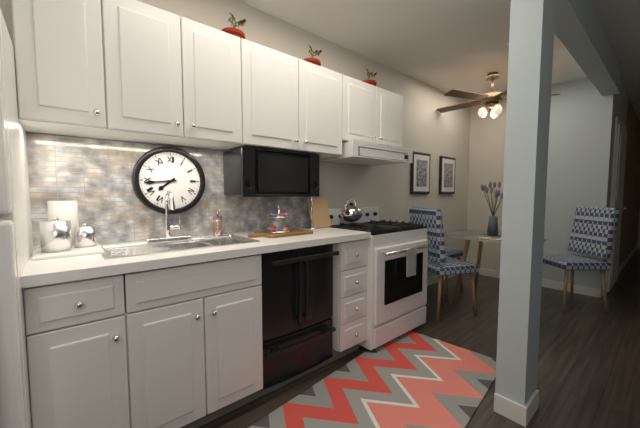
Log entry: 7,44
